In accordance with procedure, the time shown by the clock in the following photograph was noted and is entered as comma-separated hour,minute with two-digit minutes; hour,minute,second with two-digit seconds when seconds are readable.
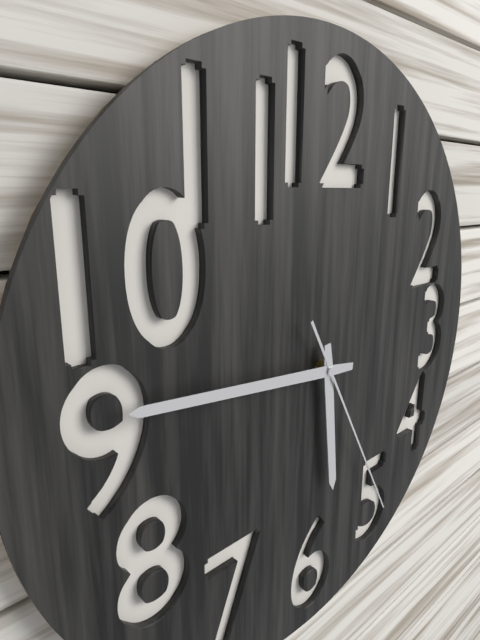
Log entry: 5,46,25
